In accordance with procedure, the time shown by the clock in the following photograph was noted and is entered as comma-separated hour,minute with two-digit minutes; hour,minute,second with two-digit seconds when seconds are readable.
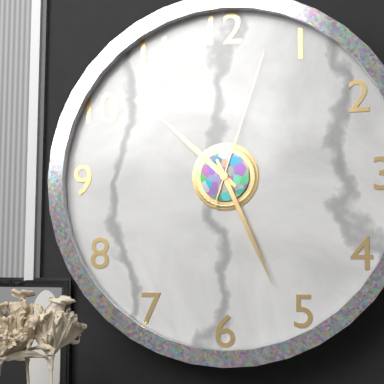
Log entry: 10,26,03
